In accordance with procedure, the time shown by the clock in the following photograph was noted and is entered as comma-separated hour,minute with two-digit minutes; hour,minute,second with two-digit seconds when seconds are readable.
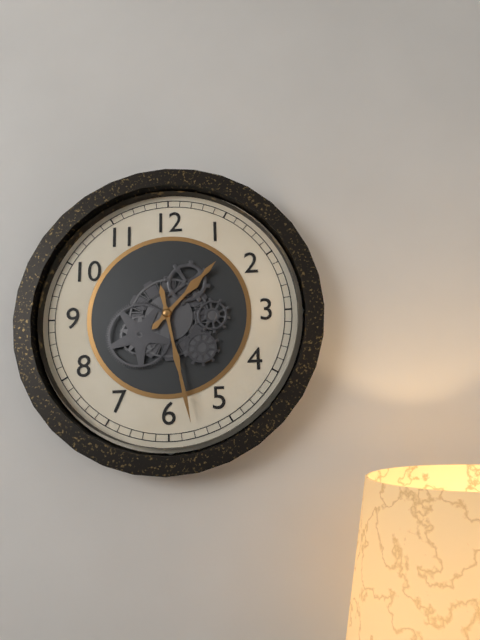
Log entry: 1,28
